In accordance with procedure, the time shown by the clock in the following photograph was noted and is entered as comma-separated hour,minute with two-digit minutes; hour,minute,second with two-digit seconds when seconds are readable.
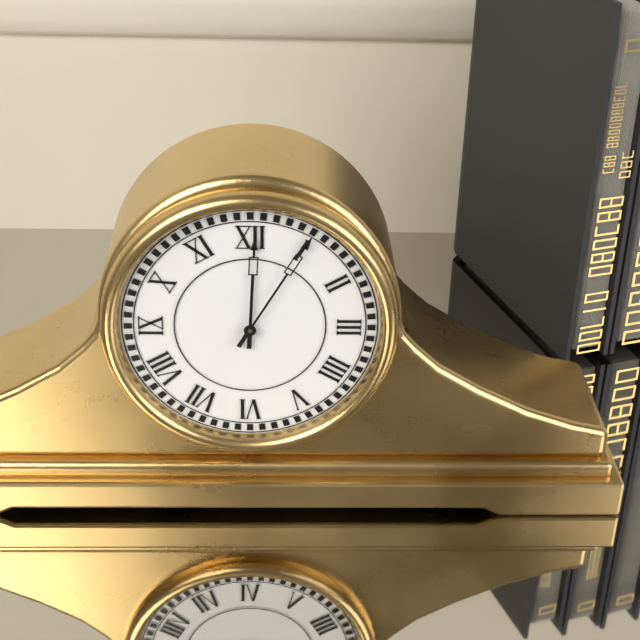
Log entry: 12,05
